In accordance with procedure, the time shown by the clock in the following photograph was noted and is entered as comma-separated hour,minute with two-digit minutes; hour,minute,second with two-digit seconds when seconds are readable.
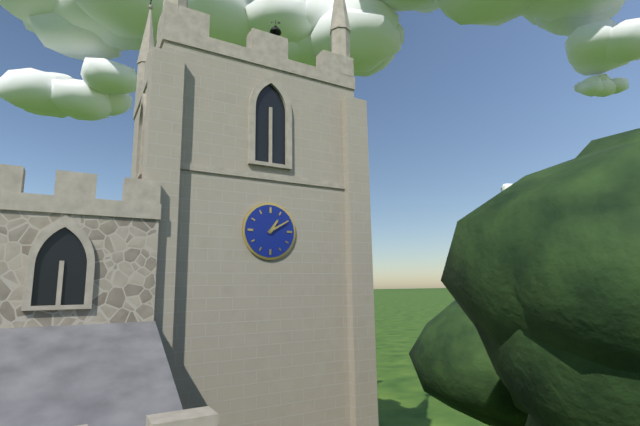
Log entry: 1,10
